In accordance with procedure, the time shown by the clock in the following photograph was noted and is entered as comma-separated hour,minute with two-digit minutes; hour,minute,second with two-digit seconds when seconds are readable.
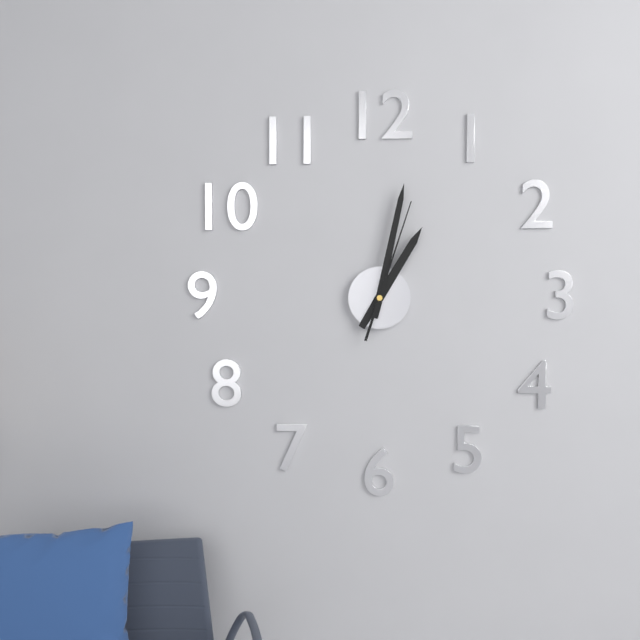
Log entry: 1,02,03
